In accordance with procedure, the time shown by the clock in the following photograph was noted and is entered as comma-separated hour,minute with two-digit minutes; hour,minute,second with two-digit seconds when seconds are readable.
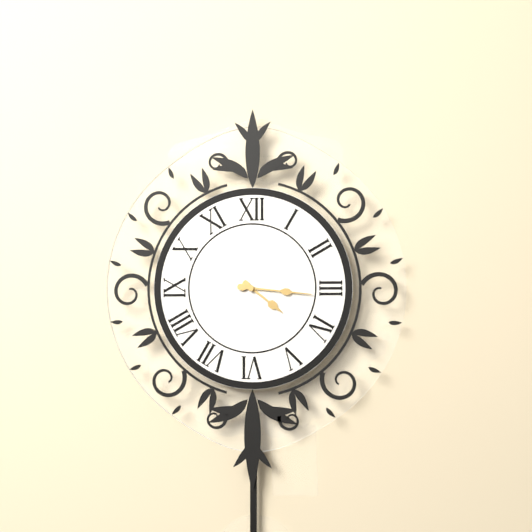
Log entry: 4,16
